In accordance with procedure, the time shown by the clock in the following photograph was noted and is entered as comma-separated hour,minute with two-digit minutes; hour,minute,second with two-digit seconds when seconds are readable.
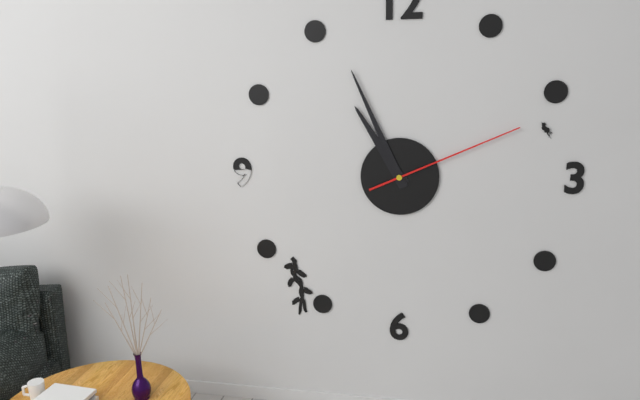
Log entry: 10,56,11
